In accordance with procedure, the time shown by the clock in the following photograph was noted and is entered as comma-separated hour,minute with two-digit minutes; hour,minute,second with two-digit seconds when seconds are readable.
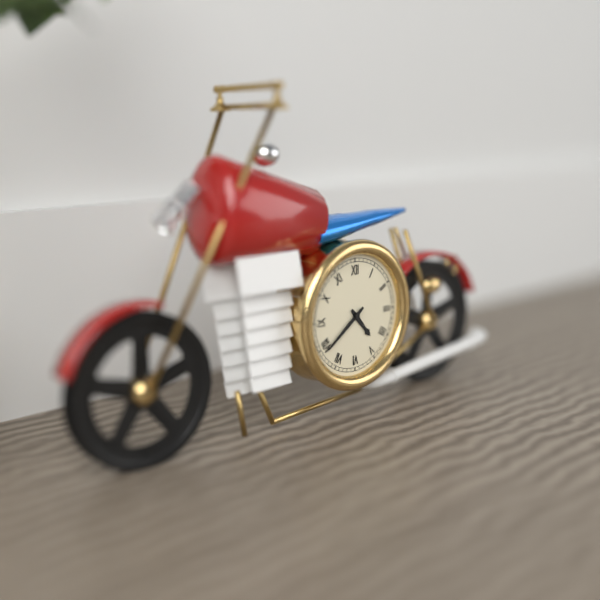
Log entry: 4,39
